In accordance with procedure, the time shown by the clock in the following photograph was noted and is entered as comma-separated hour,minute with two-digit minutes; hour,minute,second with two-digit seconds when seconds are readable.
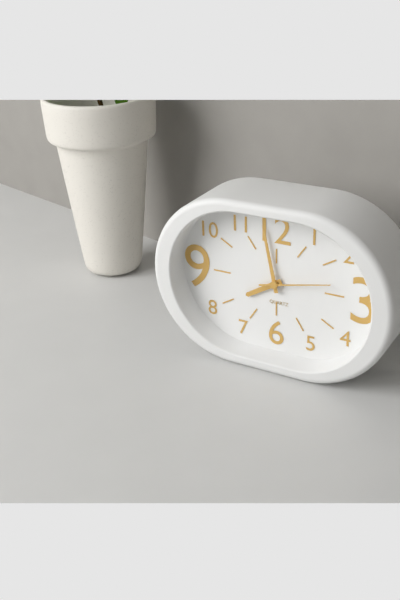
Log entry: 7,58,13
